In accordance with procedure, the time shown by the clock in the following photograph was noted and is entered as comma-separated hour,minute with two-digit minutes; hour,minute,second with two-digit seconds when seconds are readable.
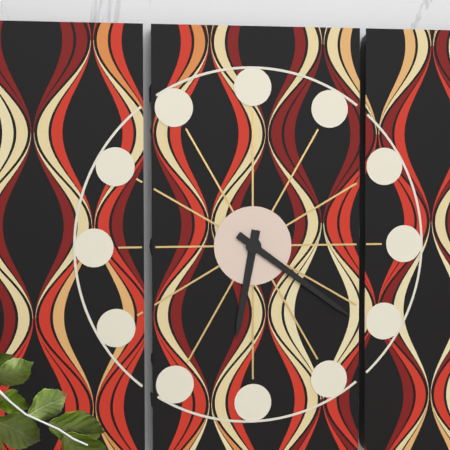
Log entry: 6,21
